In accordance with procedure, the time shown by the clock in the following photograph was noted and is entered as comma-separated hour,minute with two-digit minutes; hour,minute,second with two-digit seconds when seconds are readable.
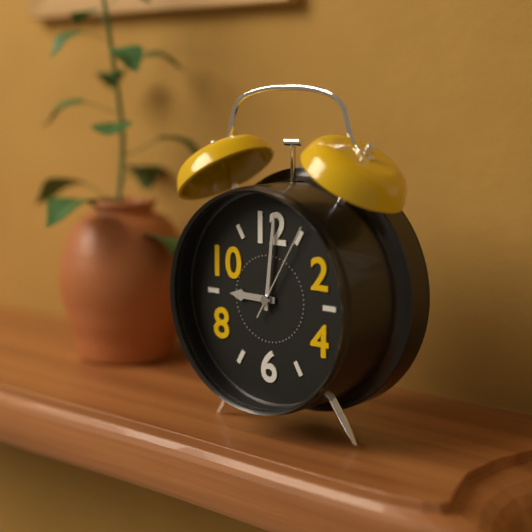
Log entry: 9,01,05
